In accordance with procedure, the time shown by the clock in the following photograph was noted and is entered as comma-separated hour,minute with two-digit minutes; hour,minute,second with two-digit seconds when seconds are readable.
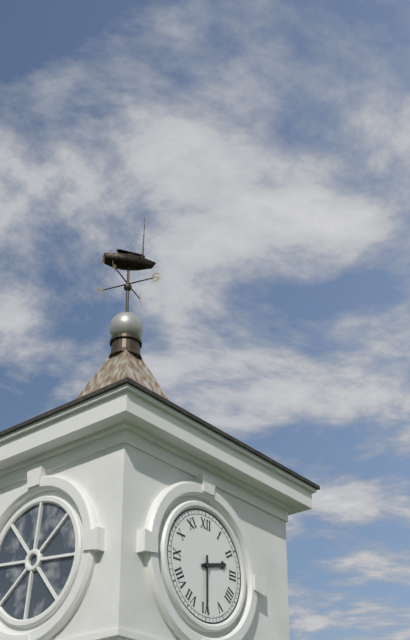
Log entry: 2,30
